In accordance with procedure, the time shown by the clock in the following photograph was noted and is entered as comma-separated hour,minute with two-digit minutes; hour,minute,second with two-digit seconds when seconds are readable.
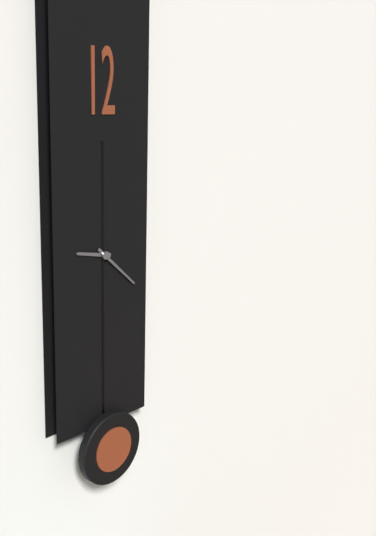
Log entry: 9,22
